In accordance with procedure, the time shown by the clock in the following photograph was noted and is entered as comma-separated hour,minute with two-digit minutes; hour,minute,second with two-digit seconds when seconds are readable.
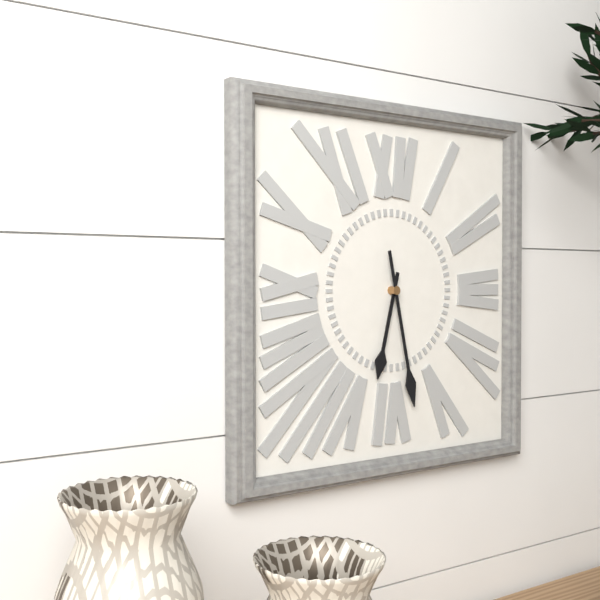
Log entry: 6,28
